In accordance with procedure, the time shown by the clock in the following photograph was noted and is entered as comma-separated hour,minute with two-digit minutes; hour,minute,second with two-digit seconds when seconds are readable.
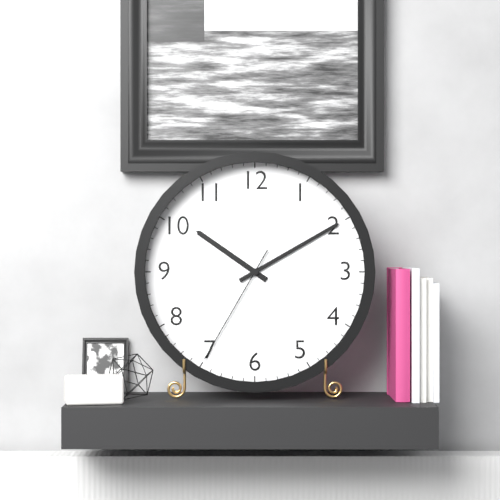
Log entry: 10,10,35
